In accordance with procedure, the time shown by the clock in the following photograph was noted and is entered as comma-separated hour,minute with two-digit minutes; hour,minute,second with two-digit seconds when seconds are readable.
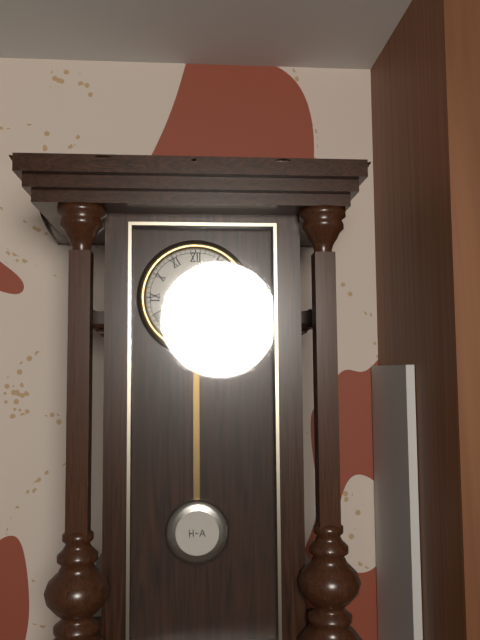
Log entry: 4,29
